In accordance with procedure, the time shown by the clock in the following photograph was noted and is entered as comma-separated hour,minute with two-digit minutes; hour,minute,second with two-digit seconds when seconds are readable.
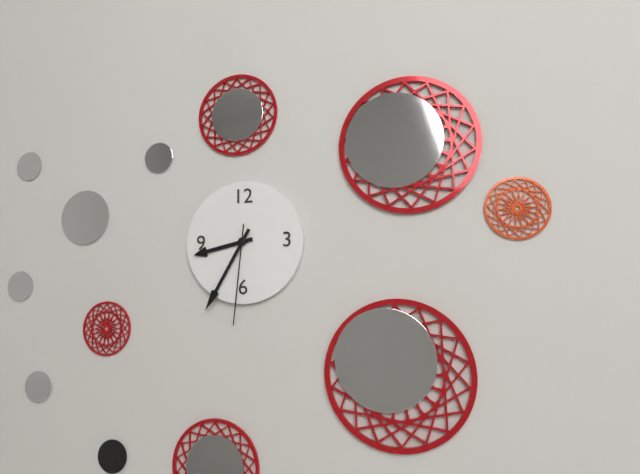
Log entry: 8,35,31
